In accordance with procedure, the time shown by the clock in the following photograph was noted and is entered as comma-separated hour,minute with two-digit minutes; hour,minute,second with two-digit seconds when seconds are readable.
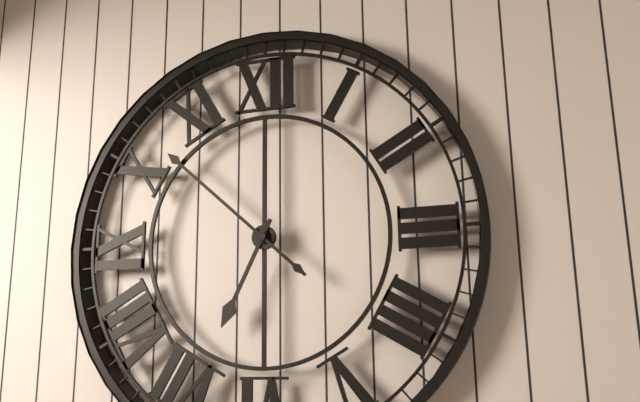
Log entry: 6,52
